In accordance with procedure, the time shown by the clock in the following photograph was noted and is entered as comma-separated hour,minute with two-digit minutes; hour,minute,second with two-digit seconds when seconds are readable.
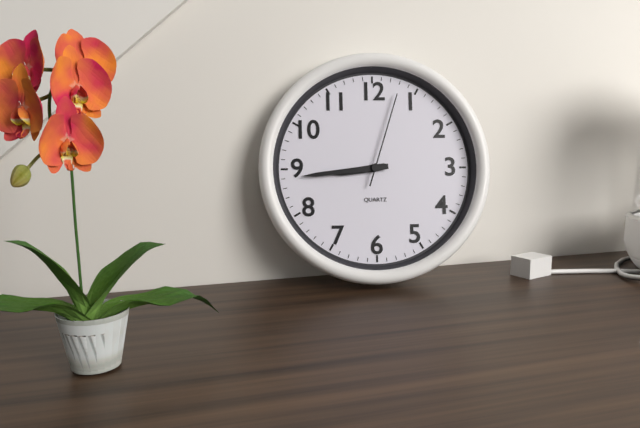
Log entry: 8,44,03
